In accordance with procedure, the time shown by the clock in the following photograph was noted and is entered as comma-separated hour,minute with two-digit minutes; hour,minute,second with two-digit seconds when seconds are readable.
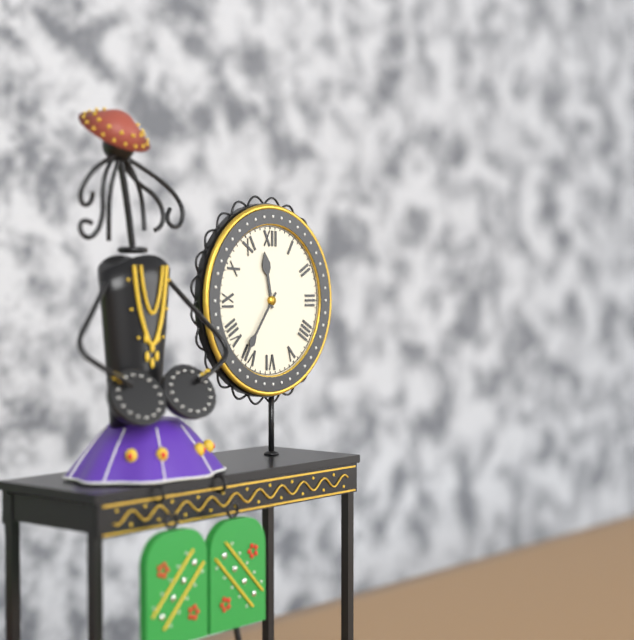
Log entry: 11,36
